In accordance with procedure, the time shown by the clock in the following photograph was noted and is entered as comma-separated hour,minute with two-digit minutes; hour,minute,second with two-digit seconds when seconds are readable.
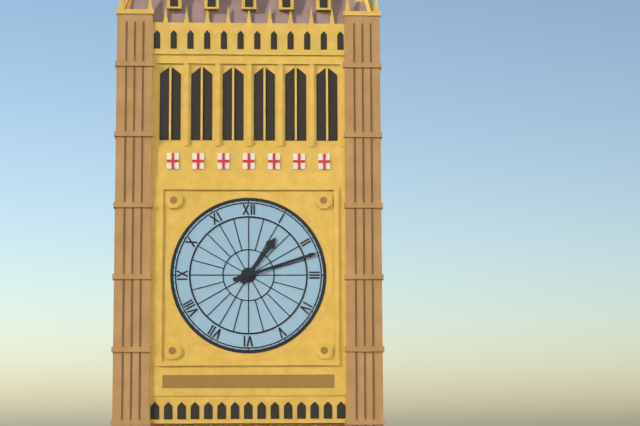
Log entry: 1,12
